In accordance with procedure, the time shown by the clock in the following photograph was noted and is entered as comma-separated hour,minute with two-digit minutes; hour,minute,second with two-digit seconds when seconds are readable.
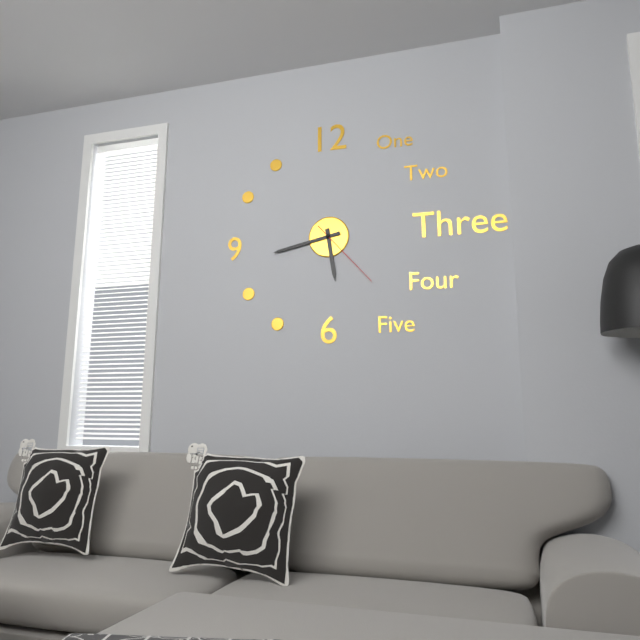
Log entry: 5,43,23
